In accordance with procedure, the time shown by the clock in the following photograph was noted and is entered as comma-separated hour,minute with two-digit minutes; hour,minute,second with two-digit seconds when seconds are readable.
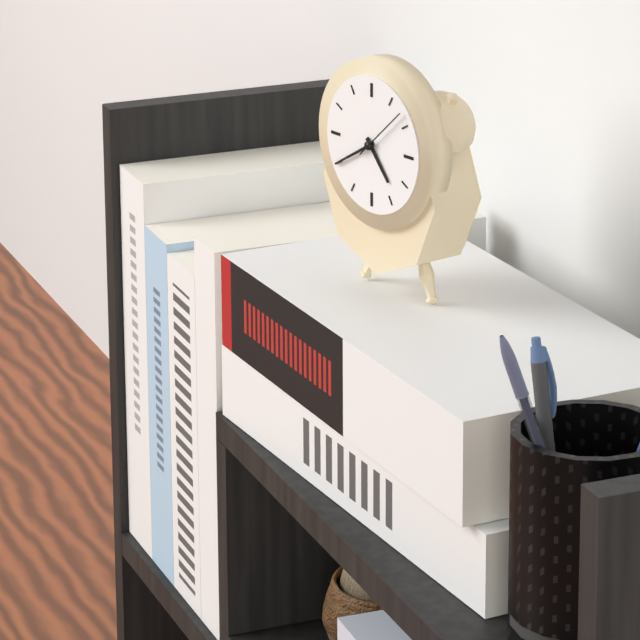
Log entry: 4,40
